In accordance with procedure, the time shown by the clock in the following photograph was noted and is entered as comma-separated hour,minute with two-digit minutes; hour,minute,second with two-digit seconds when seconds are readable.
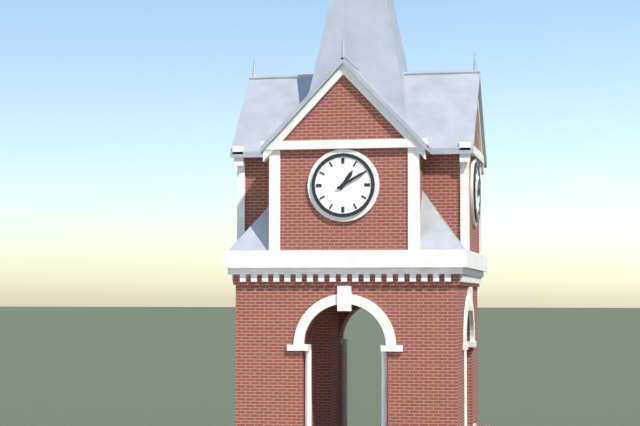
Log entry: 1,10
